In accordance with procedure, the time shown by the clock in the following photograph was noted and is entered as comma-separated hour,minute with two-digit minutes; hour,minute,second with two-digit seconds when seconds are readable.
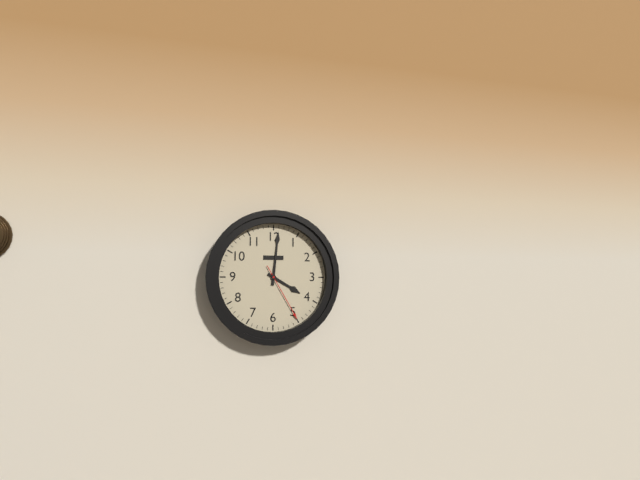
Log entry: 4,01,25
